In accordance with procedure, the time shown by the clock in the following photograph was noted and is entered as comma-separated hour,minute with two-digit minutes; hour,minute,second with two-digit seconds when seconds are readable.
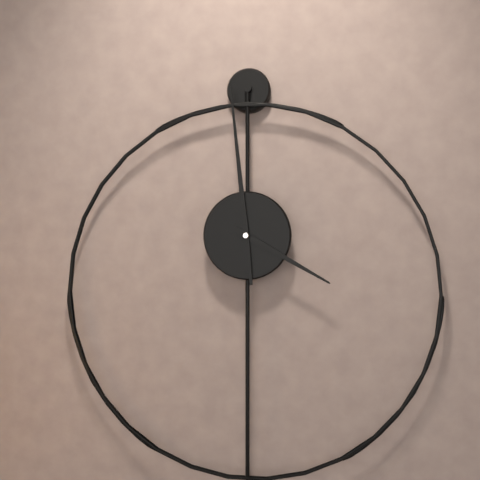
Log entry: 3,59
